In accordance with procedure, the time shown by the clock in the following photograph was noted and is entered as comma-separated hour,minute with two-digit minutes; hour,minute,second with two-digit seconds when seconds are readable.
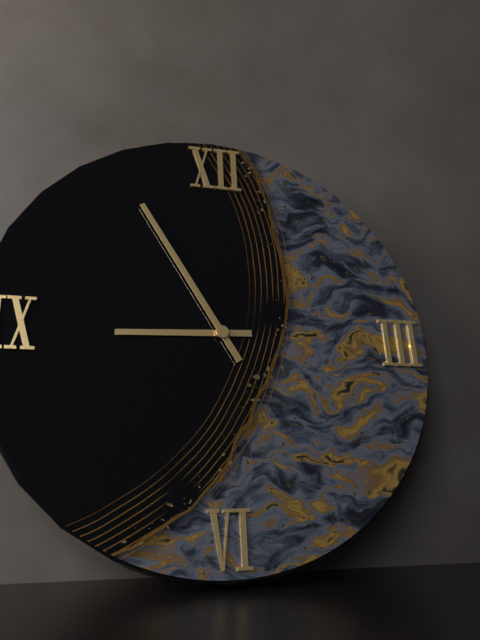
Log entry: 8,55
